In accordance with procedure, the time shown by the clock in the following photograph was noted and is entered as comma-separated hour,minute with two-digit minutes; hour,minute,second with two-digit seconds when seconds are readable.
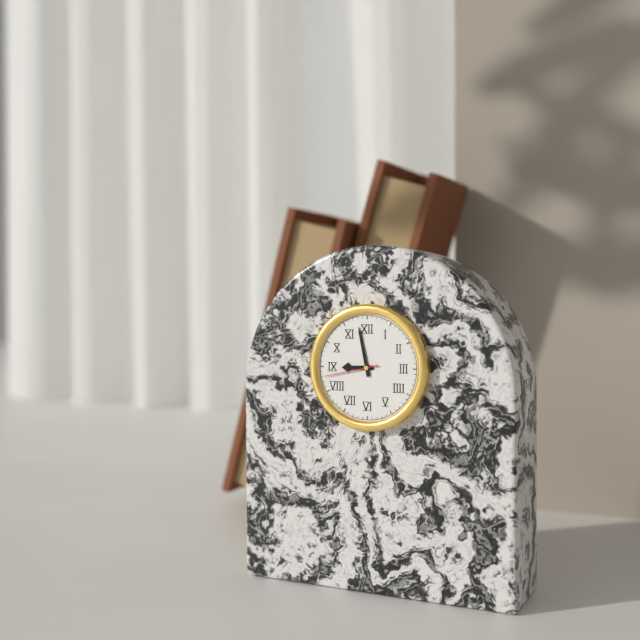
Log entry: 8,58,43
